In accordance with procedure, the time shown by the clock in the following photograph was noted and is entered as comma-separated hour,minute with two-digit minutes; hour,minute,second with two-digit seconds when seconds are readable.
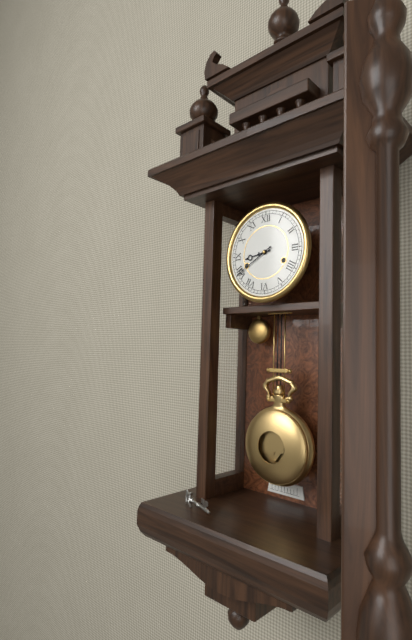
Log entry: 8,40
